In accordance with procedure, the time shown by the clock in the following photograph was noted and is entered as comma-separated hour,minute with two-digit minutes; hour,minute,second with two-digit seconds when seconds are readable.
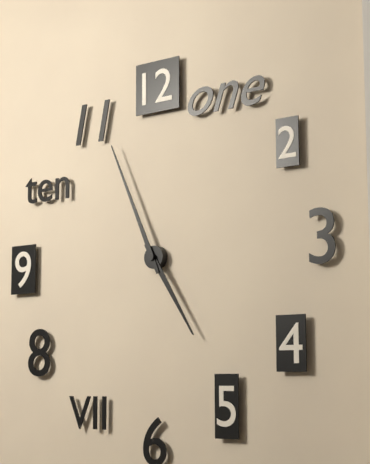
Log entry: 4,56
